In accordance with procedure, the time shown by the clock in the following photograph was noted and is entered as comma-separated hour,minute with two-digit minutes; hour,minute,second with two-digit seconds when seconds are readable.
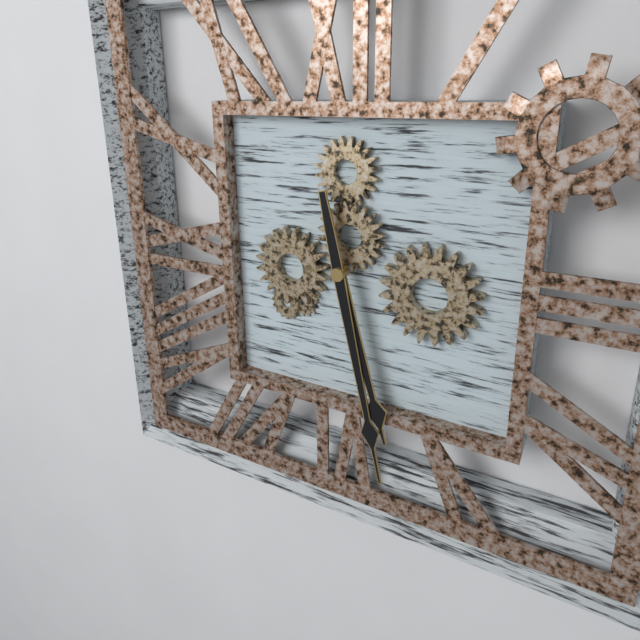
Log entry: 5,28
